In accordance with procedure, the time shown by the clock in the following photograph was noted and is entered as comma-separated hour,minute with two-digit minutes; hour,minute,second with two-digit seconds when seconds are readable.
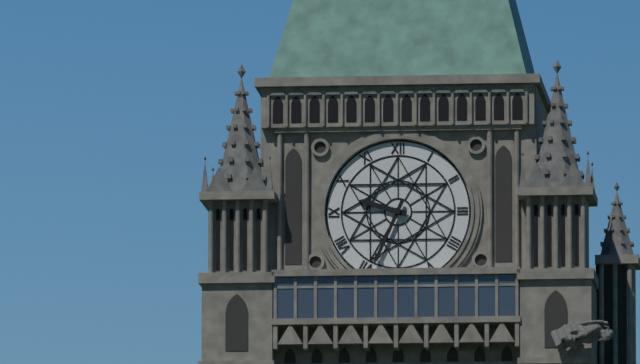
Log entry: 9,34
